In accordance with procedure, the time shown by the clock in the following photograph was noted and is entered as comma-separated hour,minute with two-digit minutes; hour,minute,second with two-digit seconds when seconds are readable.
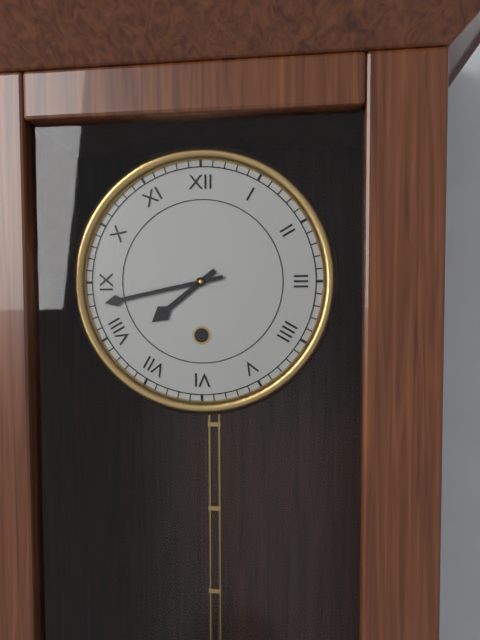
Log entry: 7,43
